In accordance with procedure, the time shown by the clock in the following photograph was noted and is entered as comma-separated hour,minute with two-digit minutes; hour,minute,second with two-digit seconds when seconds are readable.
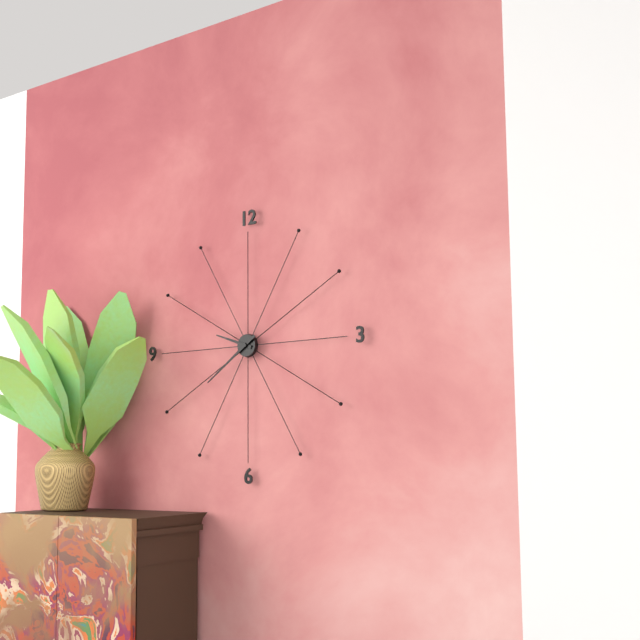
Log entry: 9,39
